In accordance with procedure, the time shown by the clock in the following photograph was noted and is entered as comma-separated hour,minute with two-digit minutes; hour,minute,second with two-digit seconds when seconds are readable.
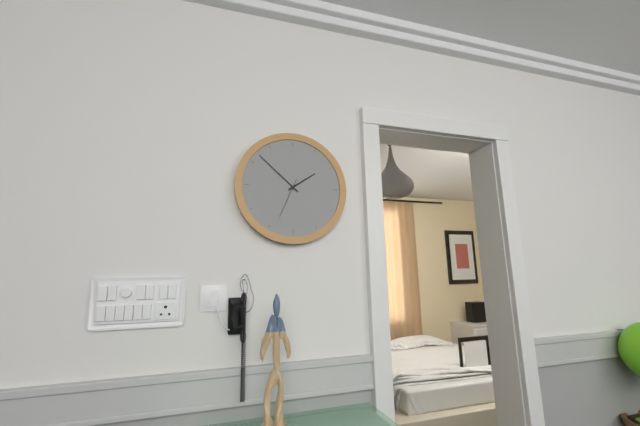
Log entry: 1,52
